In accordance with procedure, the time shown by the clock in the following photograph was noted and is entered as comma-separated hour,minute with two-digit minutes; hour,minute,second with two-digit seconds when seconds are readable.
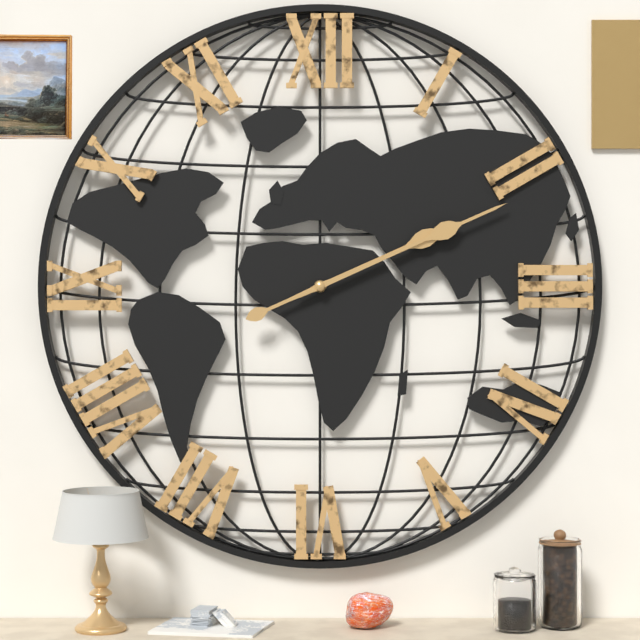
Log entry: 2,11
